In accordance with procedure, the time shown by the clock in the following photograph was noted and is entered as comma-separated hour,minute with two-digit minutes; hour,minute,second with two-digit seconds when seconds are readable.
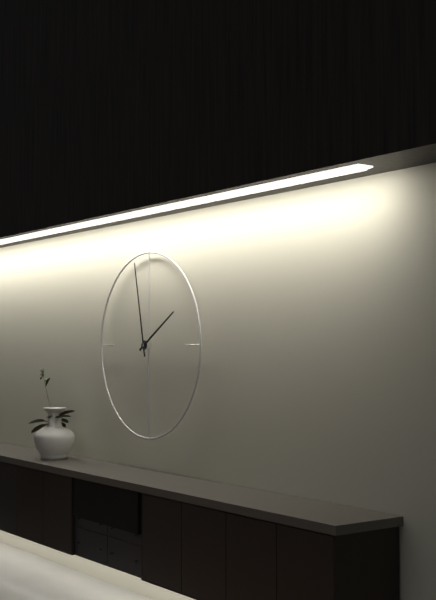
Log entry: 1,58
